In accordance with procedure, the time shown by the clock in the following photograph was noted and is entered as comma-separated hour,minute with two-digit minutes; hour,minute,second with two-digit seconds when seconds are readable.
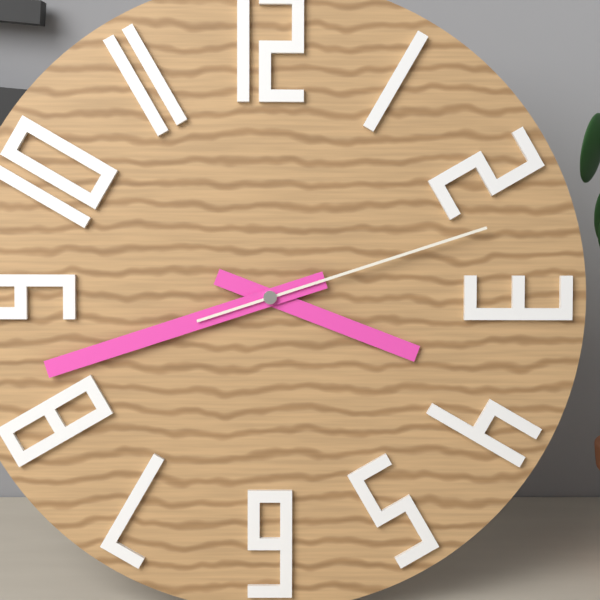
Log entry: 3,42,12
